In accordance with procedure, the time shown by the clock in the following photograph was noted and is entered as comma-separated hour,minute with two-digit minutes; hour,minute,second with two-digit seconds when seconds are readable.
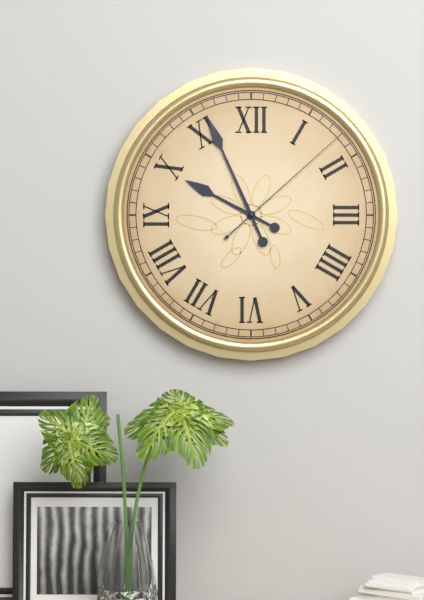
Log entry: 9,56,08
